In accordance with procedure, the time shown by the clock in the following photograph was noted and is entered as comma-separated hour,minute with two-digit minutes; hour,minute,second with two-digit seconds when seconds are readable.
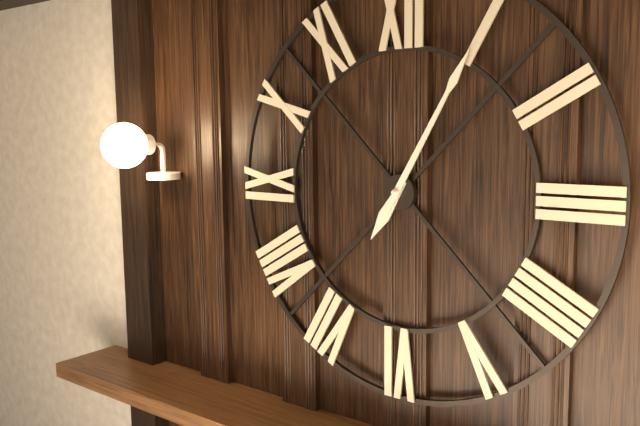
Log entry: 7,05
